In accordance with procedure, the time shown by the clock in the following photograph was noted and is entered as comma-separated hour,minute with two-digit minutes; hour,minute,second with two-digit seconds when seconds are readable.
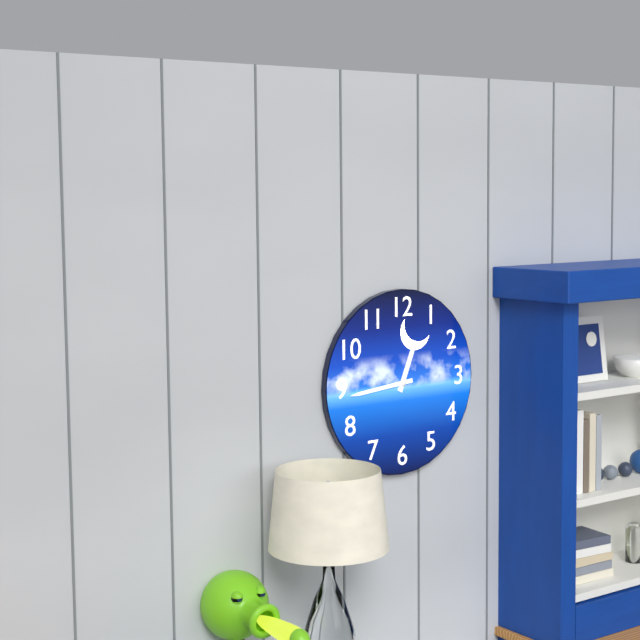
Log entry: 12,44
